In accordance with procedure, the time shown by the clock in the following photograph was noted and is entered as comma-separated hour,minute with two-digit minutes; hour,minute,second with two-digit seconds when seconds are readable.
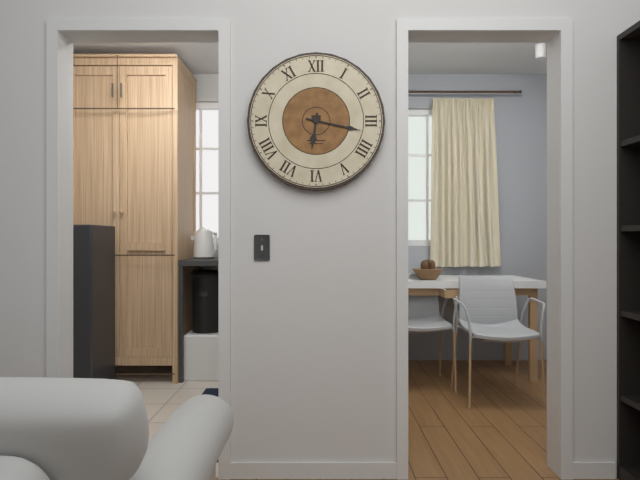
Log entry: 6,17
